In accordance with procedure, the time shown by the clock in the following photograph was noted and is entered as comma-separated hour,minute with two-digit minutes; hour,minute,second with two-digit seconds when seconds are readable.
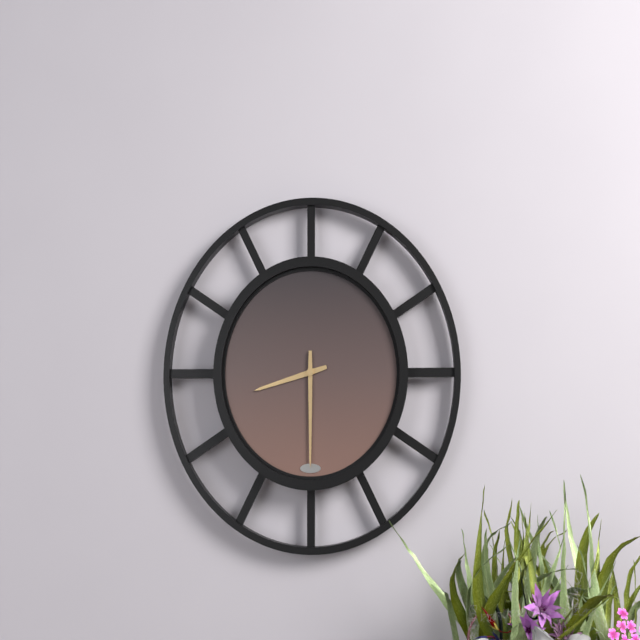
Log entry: 8,30
